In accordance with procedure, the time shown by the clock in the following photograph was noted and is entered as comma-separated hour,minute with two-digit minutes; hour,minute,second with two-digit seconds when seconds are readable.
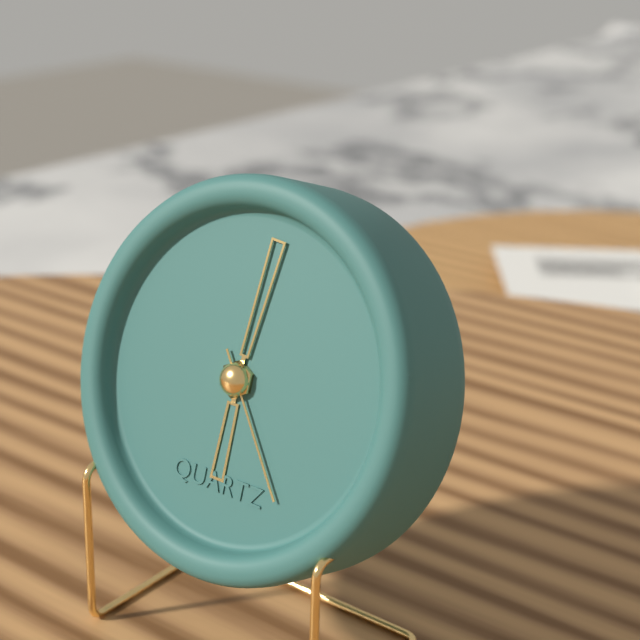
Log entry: 6,01,24
